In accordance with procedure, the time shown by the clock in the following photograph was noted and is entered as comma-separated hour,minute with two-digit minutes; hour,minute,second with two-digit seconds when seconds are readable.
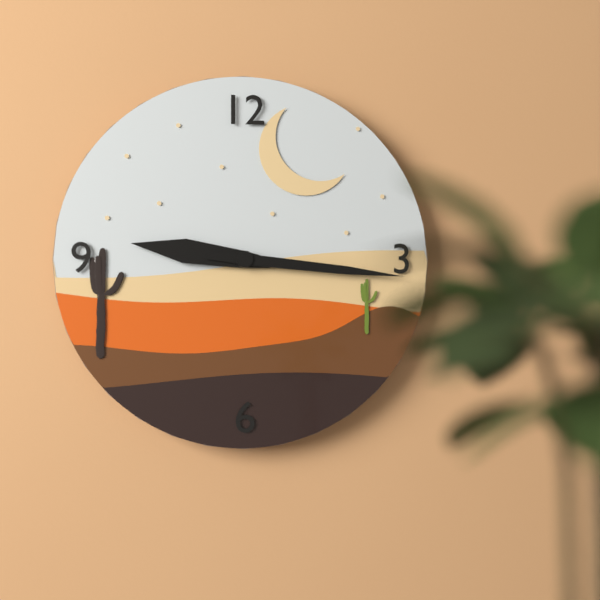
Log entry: 9,16
